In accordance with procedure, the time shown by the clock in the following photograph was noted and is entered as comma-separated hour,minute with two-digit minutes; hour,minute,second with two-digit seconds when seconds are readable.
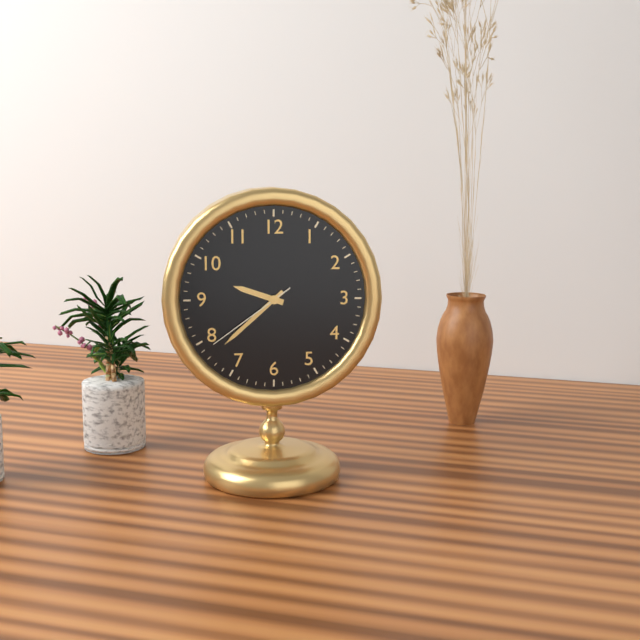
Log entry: 9,38,39
